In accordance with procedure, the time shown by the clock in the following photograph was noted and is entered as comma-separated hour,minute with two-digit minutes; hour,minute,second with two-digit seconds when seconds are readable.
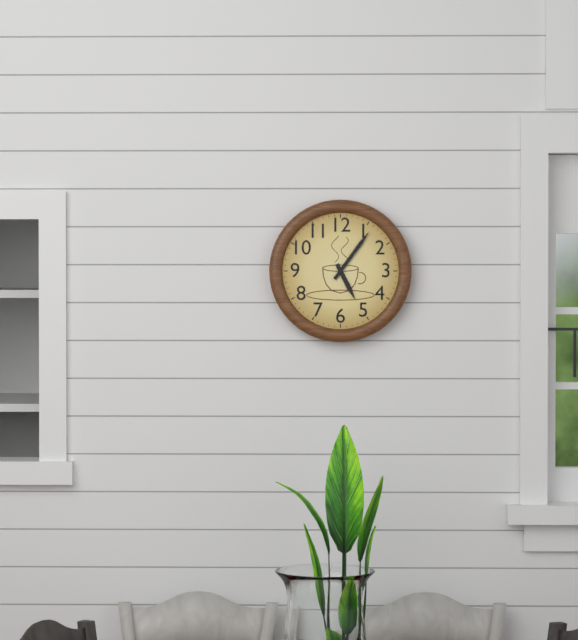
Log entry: 5,06
